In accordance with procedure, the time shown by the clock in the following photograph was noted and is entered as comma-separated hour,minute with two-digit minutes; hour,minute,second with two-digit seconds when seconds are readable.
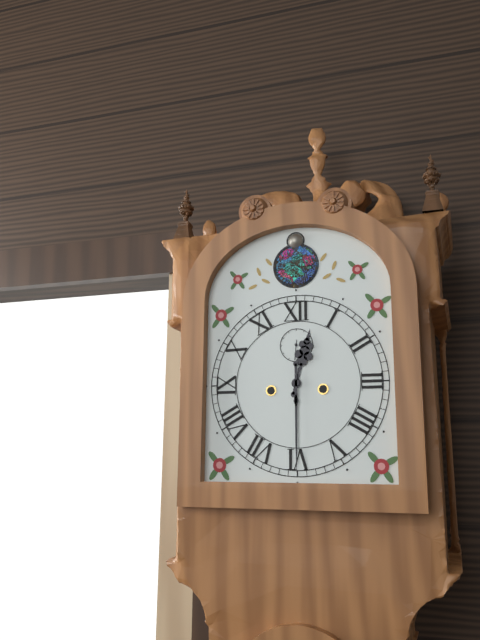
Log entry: 12,30
